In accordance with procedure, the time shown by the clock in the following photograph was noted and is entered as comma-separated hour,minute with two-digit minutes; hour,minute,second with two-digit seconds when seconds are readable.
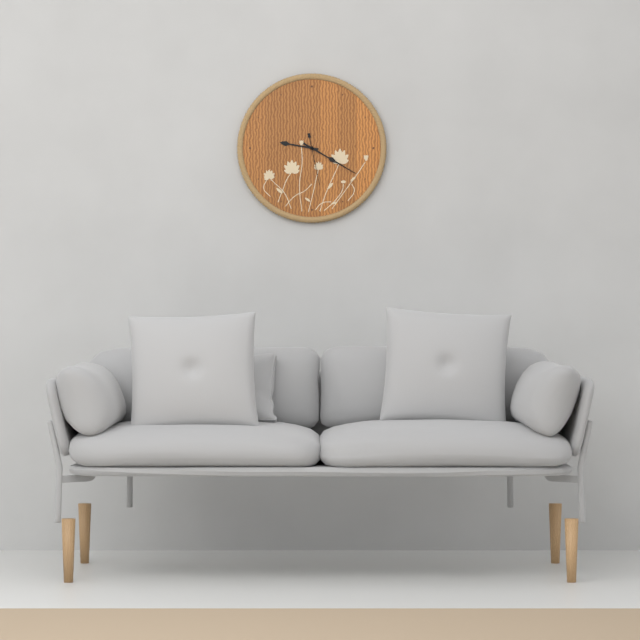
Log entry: 9,20
